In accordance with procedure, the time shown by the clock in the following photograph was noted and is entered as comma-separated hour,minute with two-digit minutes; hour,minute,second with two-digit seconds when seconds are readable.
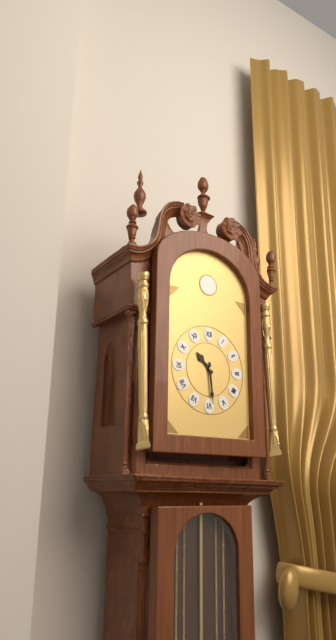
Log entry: 10,29
